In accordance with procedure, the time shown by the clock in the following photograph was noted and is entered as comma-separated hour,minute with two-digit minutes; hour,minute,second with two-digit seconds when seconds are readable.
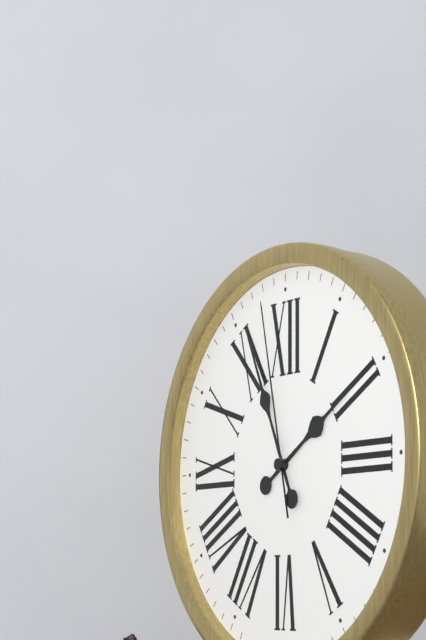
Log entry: 1,56,58
